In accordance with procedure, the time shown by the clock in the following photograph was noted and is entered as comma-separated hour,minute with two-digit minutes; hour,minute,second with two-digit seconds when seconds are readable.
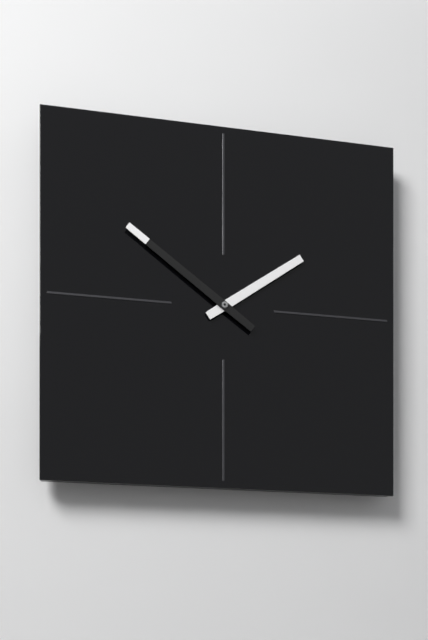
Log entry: 1,51
